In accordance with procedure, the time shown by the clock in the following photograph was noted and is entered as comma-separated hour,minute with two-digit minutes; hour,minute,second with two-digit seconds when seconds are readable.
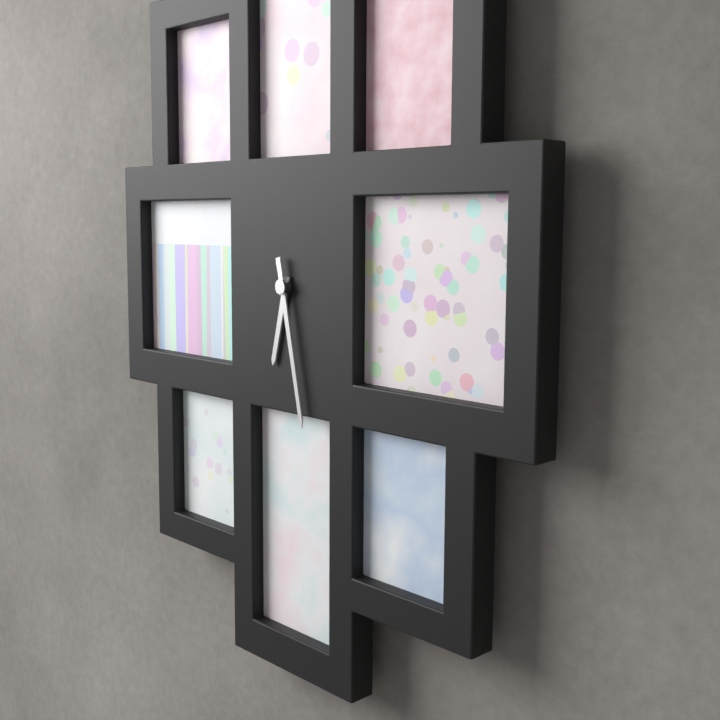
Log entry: 6,28
